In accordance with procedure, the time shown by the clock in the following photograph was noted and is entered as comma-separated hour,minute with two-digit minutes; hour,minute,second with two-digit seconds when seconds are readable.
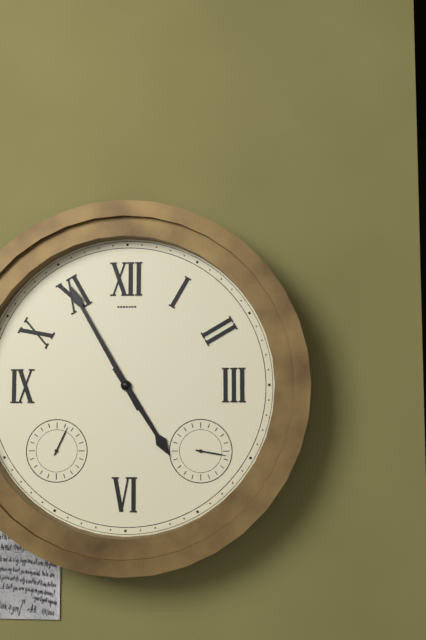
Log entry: 4,55
